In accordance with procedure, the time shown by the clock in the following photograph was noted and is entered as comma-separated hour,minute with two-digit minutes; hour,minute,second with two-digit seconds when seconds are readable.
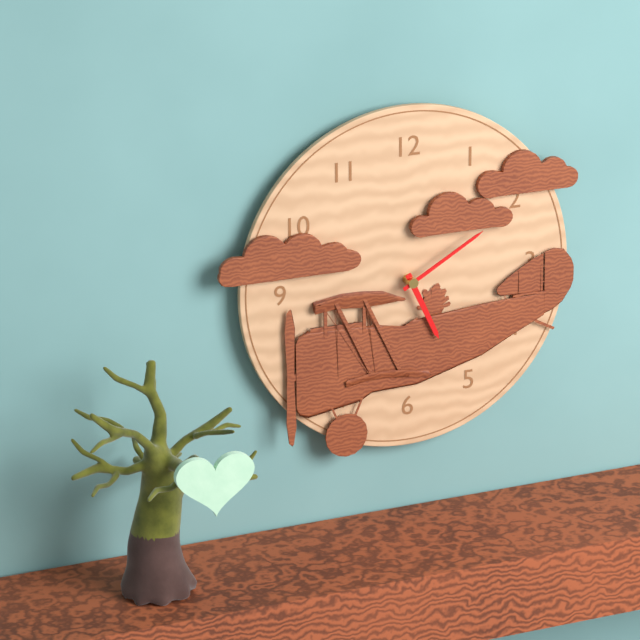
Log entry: 5,10
